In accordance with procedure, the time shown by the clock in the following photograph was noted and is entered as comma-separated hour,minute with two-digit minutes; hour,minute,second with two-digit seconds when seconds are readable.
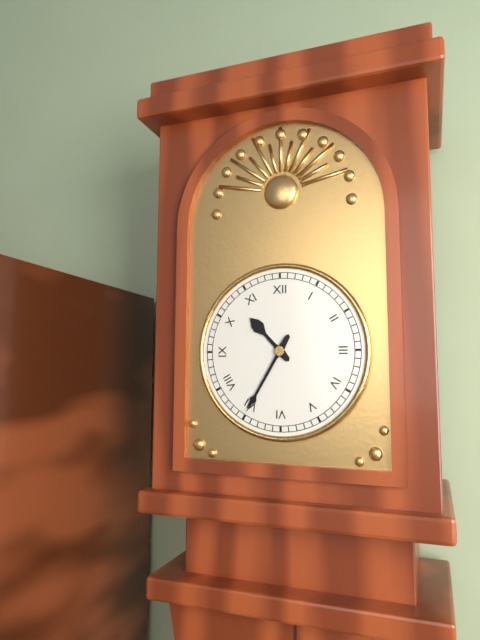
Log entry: 10,35
